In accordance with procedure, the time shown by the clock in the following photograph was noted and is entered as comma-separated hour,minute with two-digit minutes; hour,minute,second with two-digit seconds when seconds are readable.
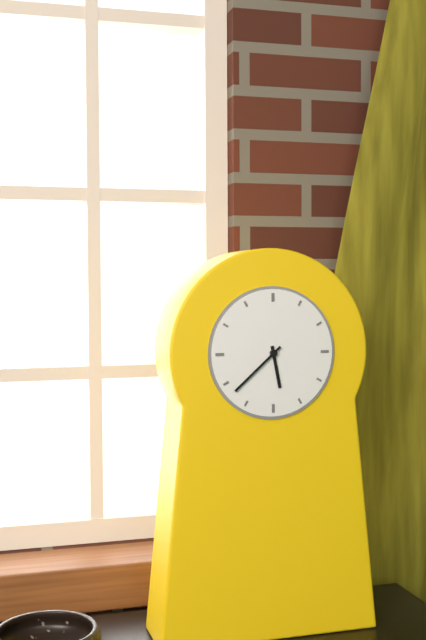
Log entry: 5,38
